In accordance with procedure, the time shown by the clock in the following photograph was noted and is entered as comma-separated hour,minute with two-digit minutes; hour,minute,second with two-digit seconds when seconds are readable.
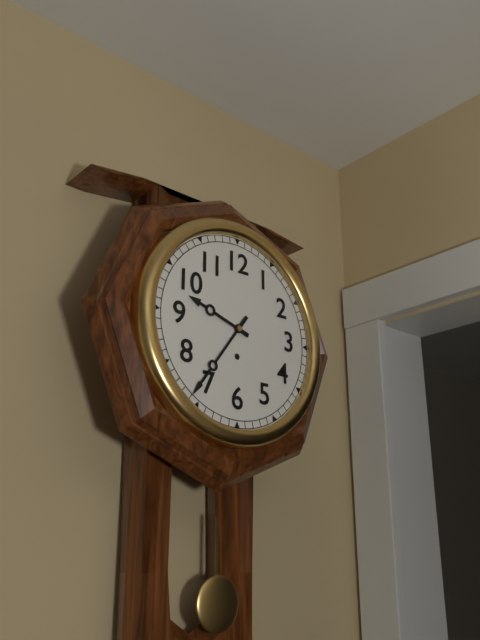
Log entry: 9,36
